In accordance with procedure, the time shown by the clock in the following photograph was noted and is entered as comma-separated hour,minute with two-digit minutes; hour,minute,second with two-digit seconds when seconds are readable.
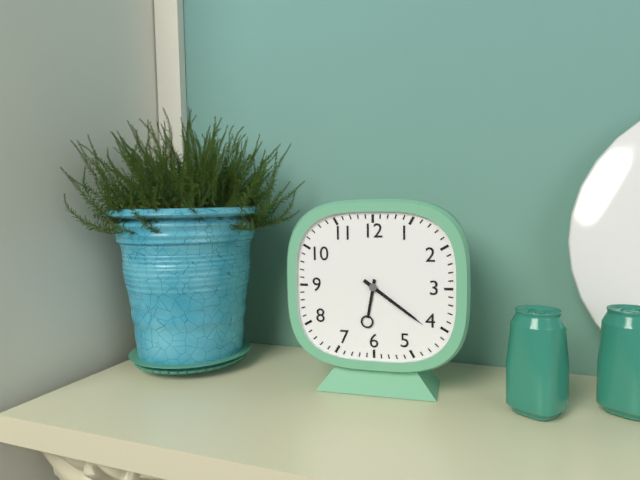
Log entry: 6,21
